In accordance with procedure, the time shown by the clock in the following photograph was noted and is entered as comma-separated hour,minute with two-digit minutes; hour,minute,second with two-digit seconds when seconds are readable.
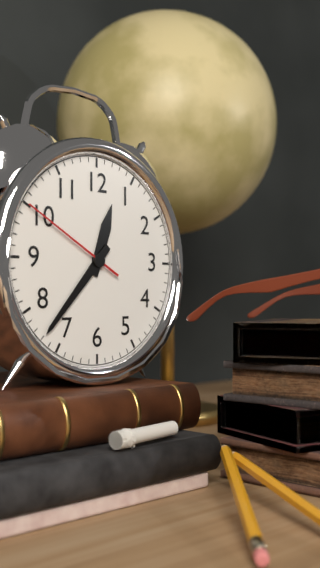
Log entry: 12,37,50
